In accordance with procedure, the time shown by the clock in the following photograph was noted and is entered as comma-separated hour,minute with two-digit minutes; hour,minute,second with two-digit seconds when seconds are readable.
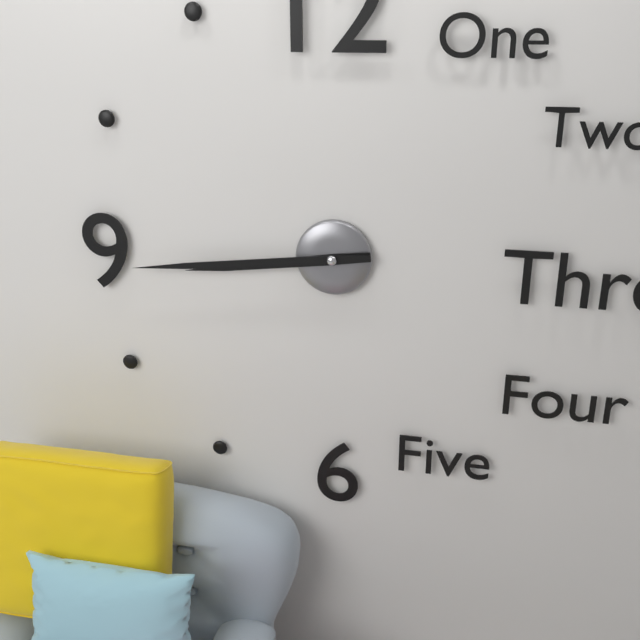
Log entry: 8,44
